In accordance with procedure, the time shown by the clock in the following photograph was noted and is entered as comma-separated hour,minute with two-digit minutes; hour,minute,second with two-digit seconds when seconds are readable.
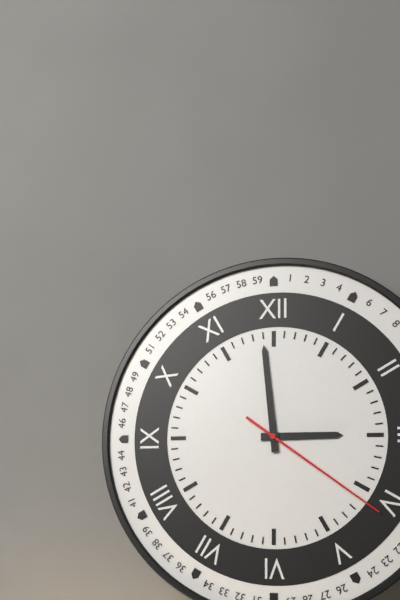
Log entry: 2,59,21
